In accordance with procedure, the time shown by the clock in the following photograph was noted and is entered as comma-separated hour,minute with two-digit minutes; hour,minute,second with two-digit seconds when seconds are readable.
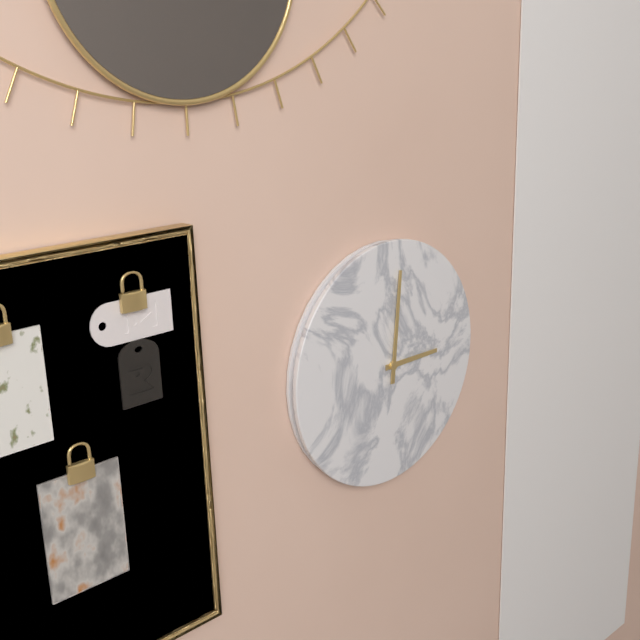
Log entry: 3,01
